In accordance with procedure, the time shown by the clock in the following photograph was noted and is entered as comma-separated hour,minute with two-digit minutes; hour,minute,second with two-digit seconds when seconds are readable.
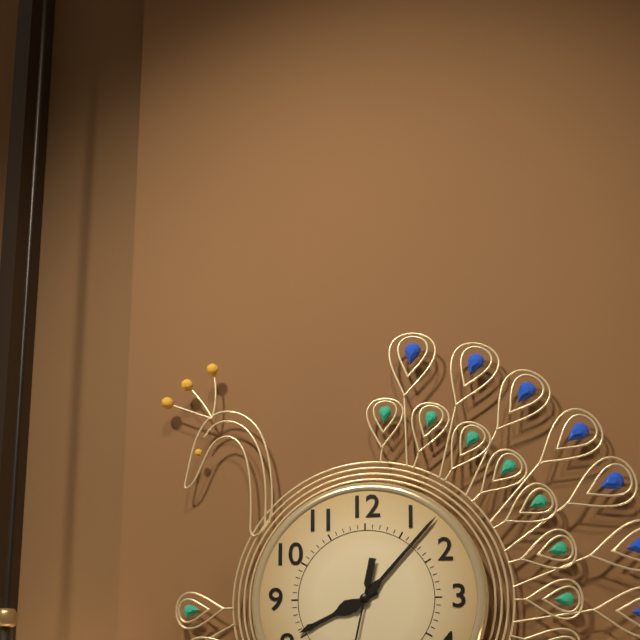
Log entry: 8,07
